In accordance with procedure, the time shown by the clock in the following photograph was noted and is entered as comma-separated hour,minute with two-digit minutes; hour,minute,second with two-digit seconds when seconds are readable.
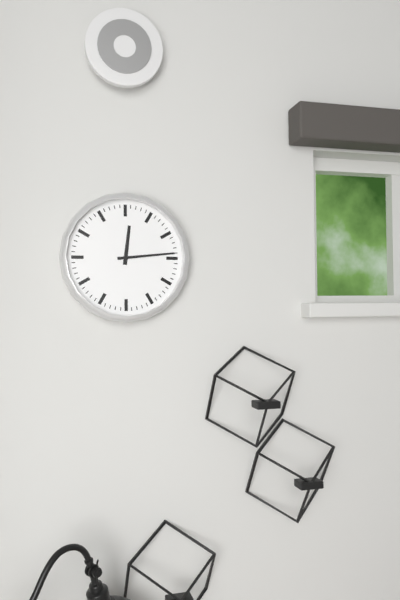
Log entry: 12,14
